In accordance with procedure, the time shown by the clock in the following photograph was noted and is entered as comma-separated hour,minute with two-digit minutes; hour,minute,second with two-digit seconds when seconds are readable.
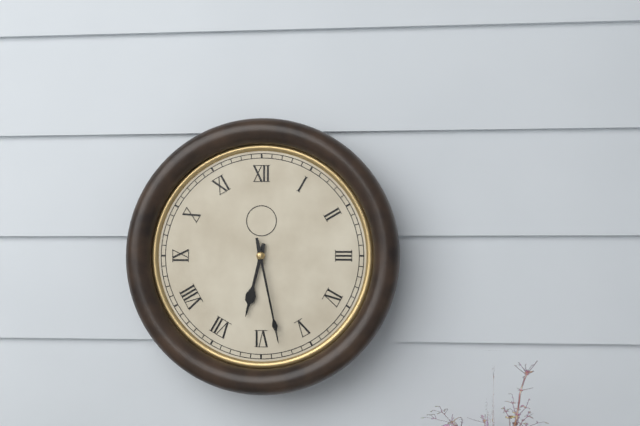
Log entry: 6,28
